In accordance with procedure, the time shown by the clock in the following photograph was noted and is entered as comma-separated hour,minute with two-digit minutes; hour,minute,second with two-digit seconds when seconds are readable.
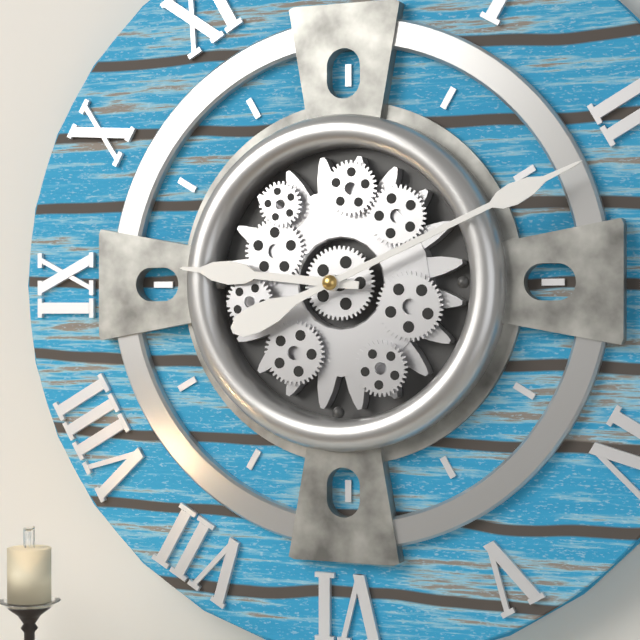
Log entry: 9,11
